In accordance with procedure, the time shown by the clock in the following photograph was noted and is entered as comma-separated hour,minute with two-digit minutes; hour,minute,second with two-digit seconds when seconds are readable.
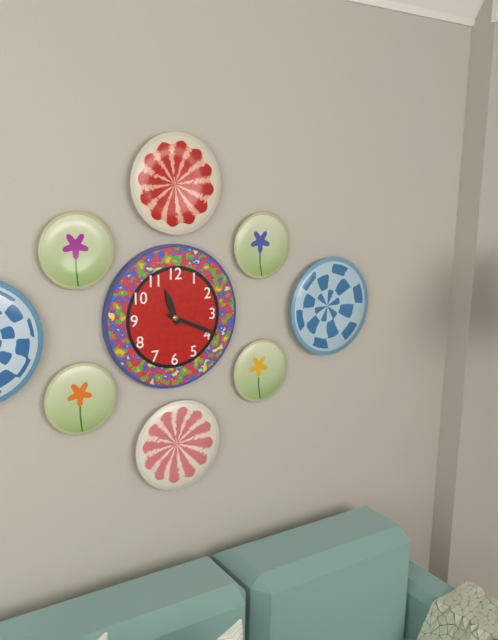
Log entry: 11,19
